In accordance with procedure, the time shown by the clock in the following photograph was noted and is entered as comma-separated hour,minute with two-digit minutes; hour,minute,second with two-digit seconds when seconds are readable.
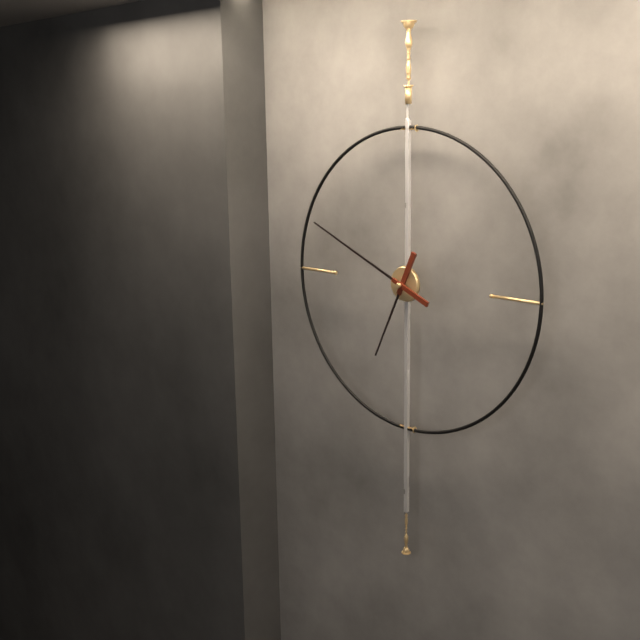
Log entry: 6,49
